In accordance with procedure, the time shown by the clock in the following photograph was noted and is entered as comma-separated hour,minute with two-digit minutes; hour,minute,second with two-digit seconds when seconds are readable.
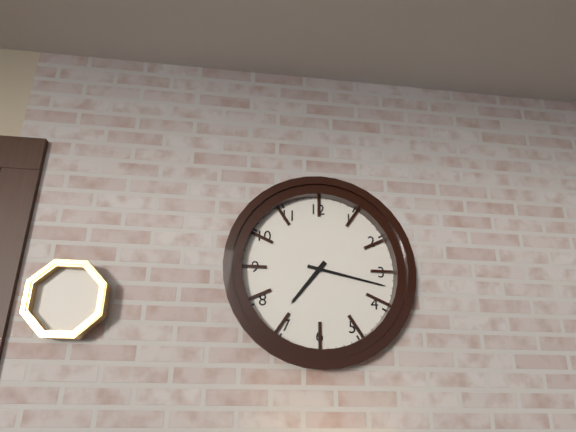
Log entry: 7,17
